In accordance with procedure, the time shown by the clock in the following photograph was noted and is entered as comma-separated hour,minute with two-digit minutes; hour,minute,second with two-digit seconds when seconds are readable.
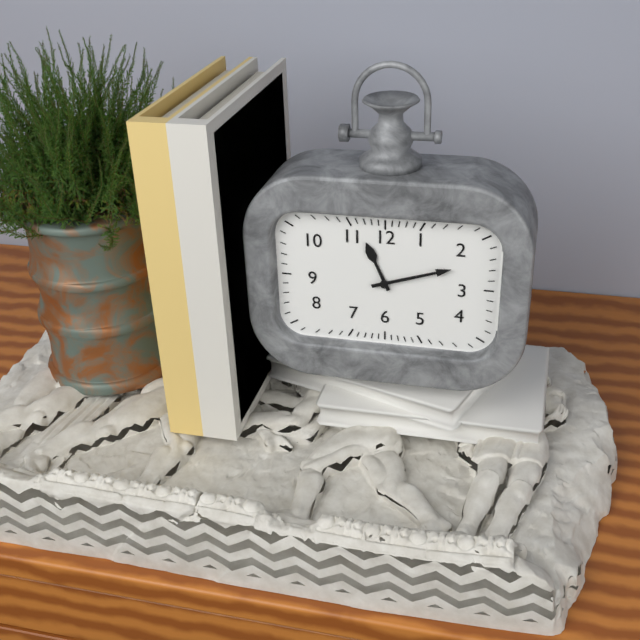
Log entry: 11,12
